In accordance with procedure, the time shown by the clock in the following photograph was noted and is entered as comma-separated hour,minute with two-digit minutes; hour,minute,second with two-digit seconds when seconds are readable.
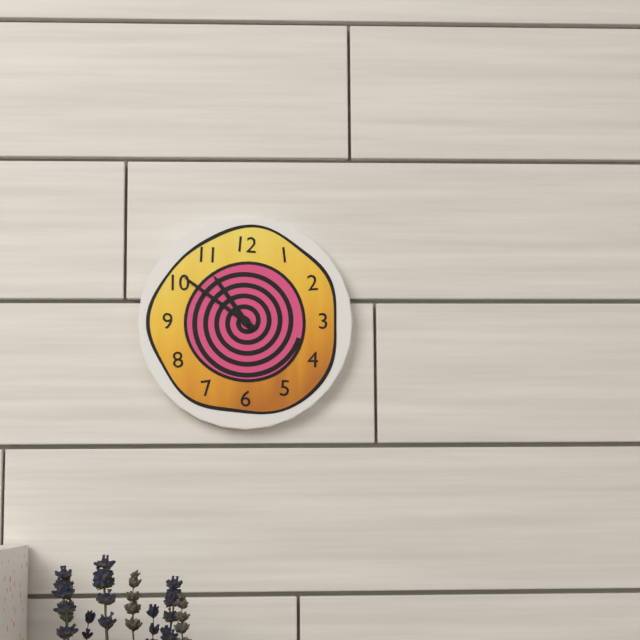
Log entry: 10,51
